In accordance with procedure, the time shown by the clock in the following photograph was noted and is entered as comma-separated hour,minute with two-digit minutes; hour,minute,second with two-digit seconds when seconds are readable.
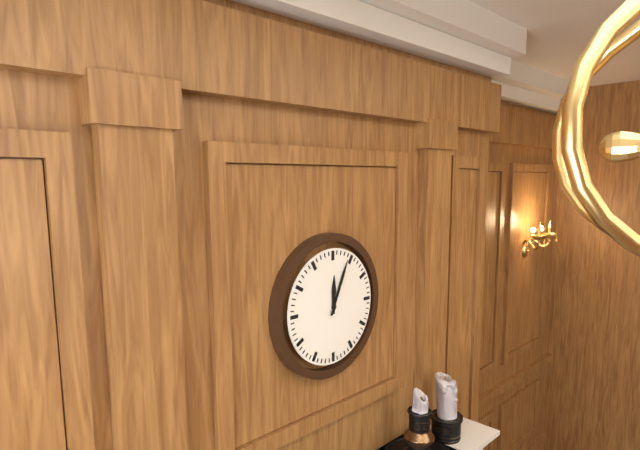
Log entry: 12,04
